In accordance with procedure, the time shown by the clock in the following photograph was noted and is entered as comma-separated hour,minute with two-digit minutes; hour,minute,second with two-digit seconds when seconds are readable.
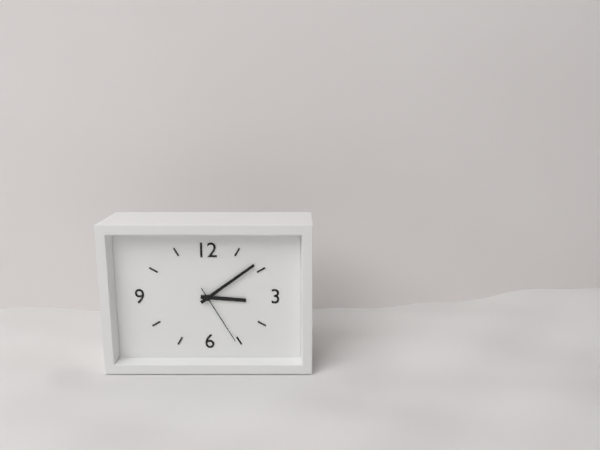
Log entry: 3,09,25
